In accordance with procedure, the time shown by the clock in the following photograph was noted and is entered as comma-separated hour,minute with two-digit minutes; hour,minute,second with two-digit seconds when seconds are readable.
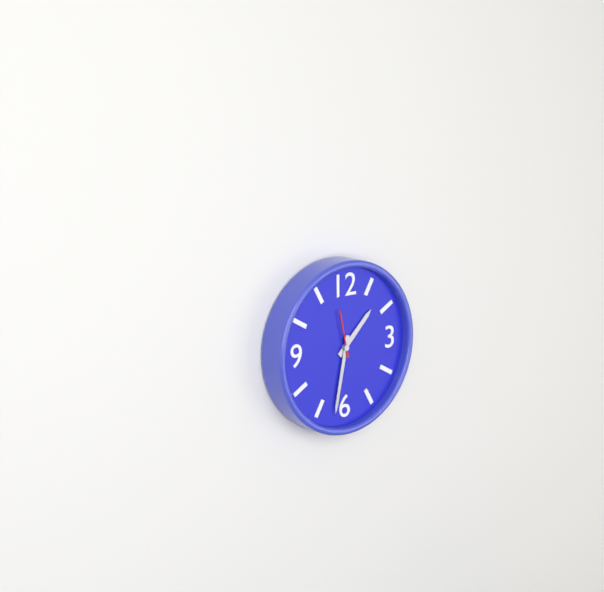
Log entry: 1,32
